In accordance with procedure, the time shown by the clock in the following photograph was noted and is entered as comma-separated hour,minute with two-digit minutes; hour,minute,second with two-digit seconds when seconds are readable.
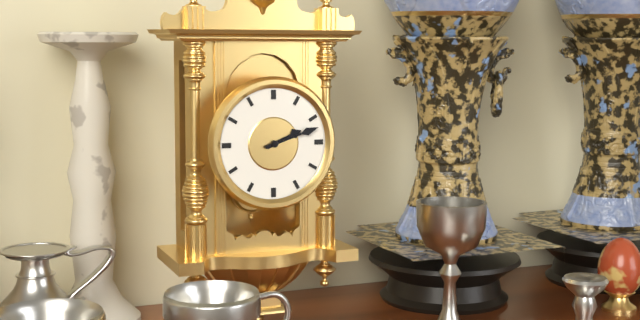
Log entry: 2,12
